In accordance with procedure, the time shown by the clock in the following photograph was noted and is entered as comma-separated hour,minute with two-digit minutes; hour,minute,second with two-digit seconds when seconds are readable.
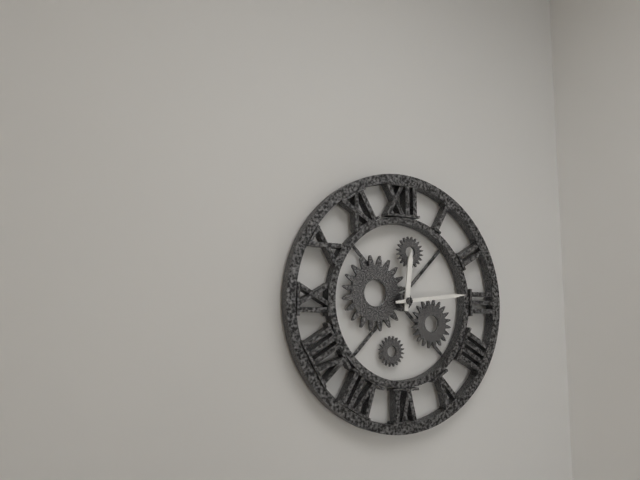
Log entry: 12,14
